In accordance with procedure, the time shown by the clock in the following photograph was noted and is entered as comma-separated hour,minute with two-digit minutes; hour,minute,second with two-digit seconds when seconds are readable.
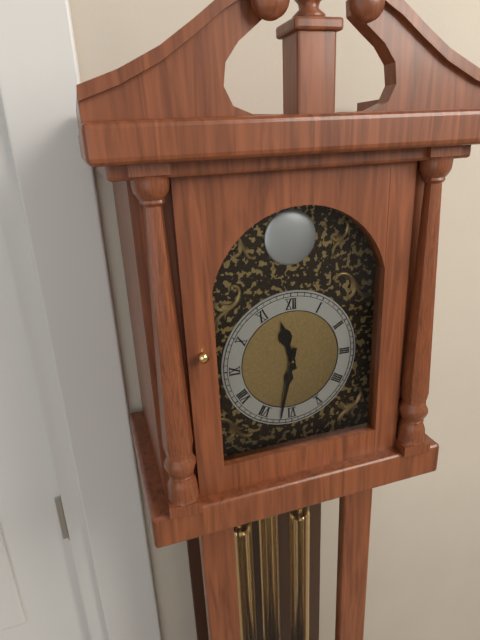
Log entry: 11,32
